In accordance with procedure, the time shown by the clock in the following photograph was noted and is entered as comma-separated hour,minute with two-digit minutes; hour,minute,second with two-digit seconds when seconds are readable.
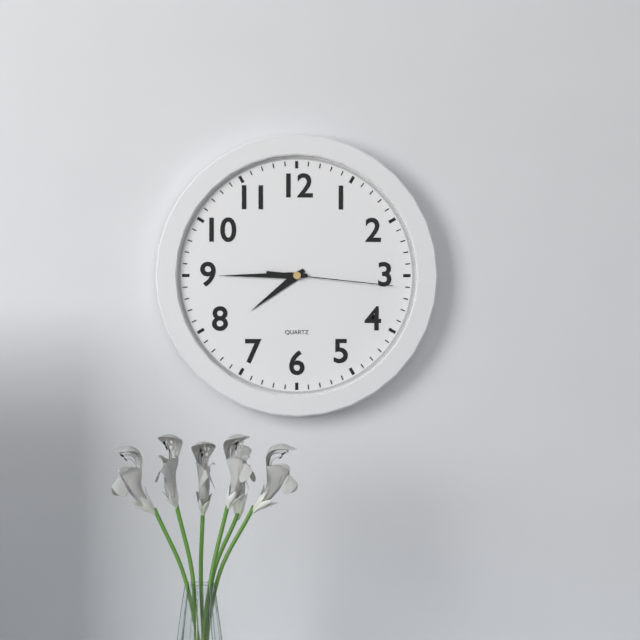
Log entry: 7,45,16
